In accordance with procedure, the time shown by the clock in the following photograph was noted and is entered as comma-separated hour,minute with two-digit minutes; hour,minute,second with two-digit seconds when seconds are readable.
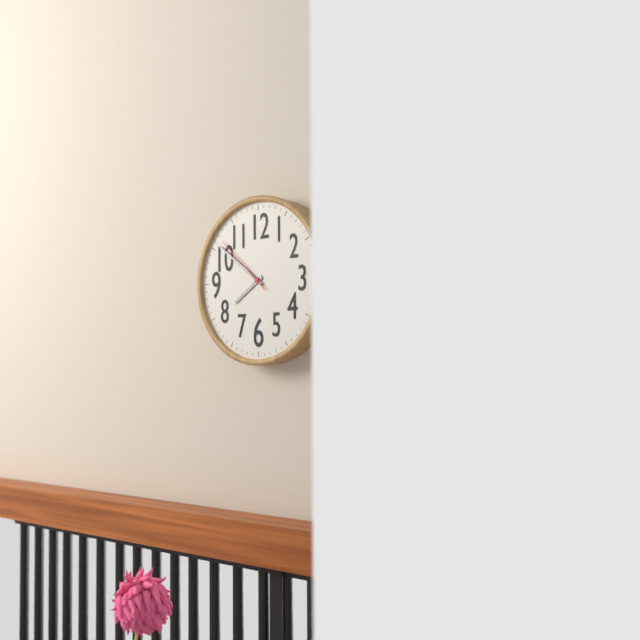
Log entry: 7,51,52
